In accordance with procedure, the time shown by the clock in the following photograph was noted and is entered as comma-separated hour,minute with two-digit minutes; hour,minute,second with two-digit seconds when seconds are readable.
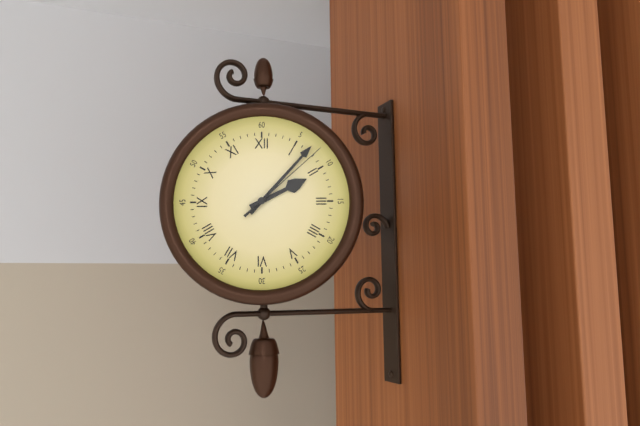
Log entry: 2,07,08
